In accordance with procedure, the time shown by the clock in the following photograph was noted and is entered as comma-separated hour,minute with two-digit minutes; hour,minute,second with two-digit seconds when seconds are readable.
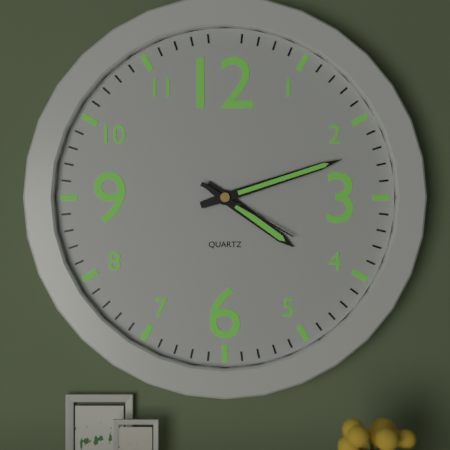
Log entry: 4,12,20
